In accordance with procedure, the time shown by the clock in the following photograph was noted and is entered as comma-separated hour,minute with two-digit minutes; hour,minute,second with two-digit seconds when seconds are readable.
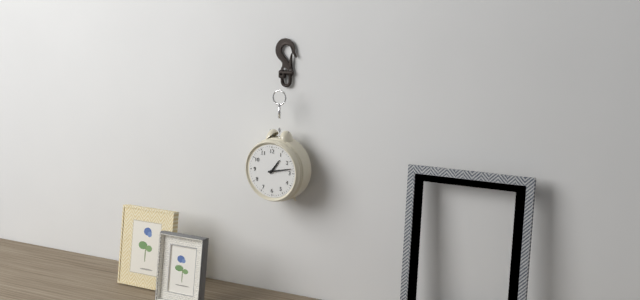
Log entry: 1,13
